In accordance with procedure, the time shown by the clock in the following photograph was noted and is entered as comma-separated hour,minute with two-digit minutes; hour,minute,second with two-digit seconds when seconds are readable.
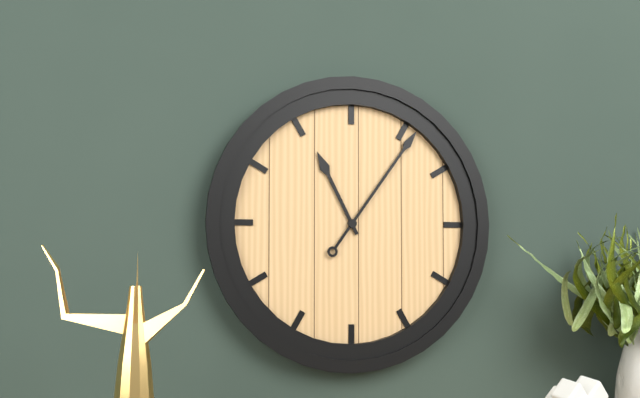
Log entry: 11,06
